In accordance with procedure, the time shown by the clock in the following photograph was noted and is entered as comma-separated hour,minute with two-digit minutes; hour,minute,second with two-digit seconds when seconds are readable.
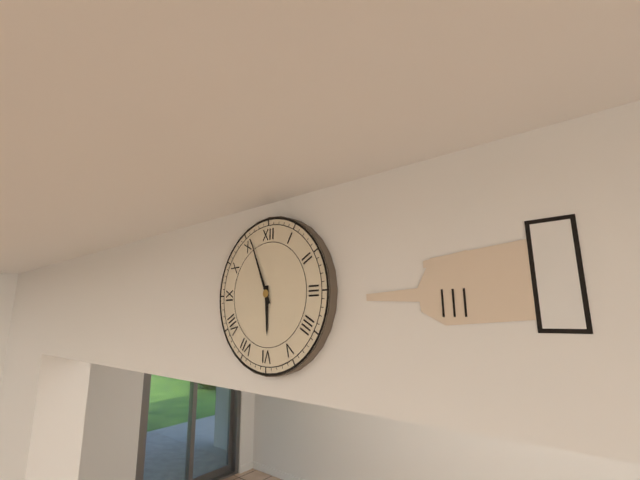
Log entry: 5,56
